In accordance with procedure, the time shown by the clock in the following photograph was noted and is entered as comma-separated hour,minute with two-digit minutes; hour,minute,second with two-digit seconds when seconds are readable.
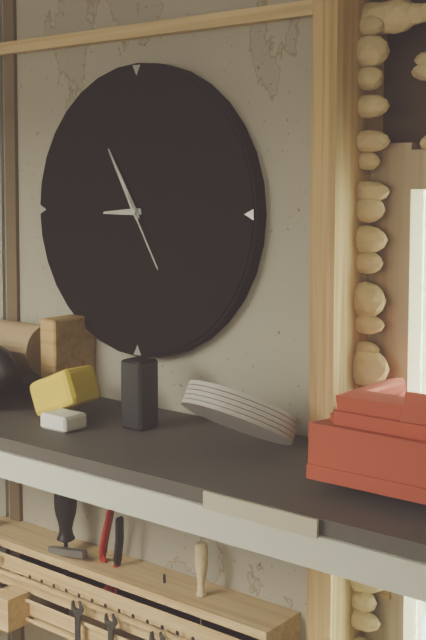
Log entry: 8,55,25
